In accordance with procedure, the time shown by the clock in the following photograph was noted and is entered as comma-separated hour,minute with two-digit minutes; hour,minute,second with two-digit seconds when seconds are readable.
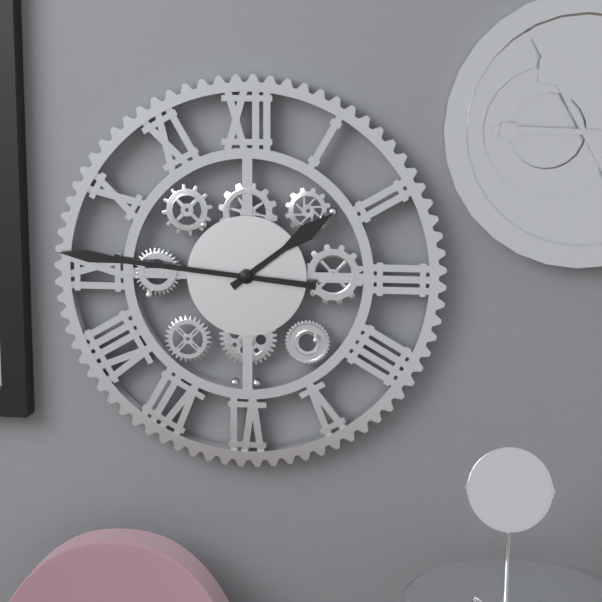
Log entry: 1,46
